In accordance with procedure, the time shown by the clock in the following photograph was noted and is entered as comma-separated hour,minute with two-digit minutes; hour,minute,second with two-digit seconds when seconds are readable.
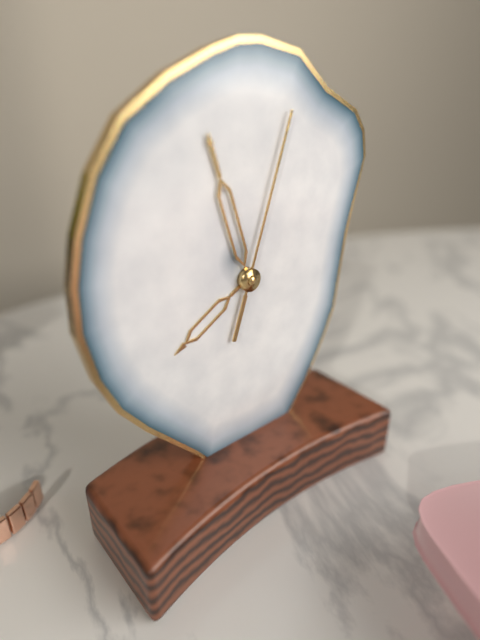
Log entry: 7,57,03
